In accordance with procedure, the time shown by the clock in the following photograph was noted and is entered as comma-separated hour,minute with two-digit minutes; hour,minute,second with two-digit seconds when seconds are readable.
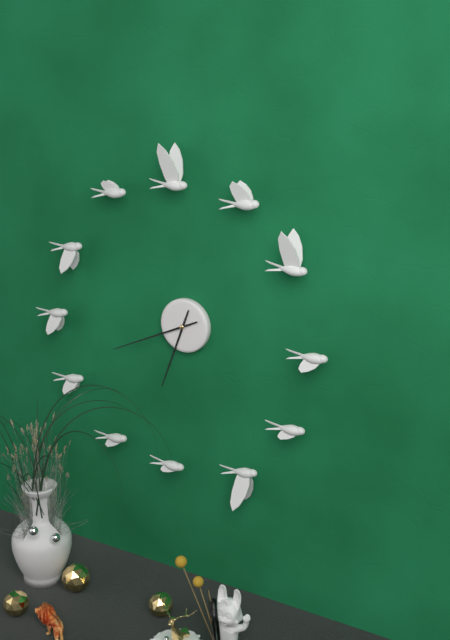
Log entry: 6,41
